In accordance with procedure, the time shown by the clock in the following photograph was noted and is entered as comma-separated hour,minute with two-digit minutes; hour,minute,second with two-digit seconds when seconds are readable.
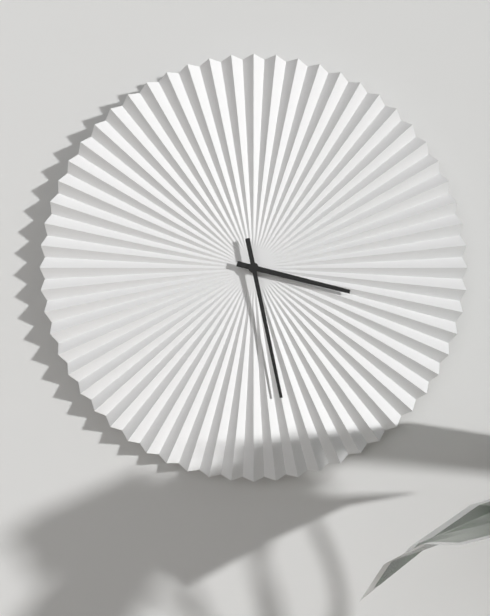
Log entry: 3,28
